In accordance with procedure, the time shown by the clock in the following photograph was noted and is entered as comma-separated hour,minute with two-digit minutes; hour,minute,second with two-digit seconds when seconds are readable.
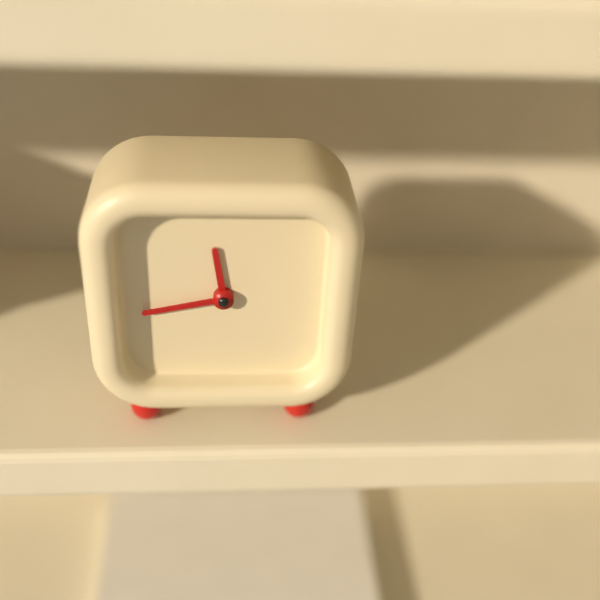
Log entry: 11,43
